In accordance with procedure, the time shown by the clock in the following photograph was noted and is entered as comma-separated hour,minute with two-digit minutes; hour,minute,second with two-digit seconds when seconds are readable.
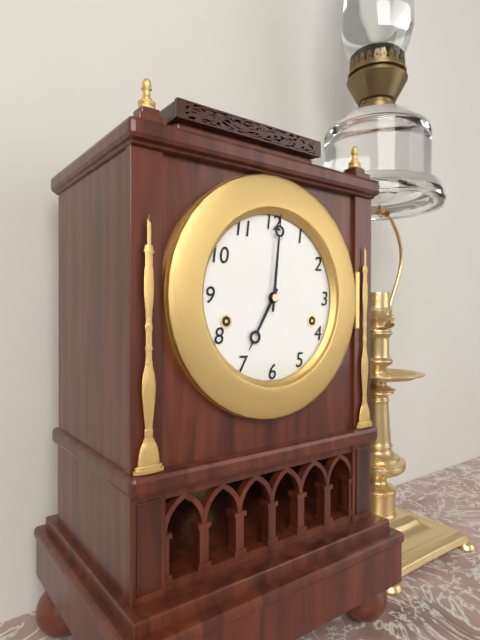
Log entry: 7,01
